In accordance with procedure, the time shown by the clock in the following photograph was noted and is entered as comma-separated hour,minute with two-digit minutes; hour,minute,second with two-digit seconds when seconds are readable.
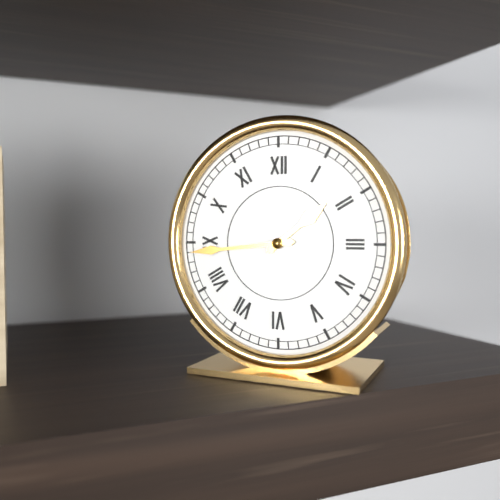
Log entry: 1,44
